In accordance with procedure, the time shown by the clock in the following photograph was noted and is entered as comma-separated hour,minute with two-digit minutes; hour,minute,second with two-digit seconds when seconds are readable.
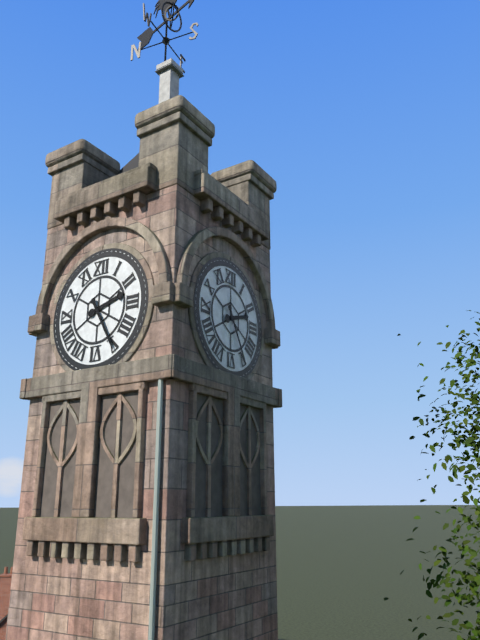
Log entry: 2,25
